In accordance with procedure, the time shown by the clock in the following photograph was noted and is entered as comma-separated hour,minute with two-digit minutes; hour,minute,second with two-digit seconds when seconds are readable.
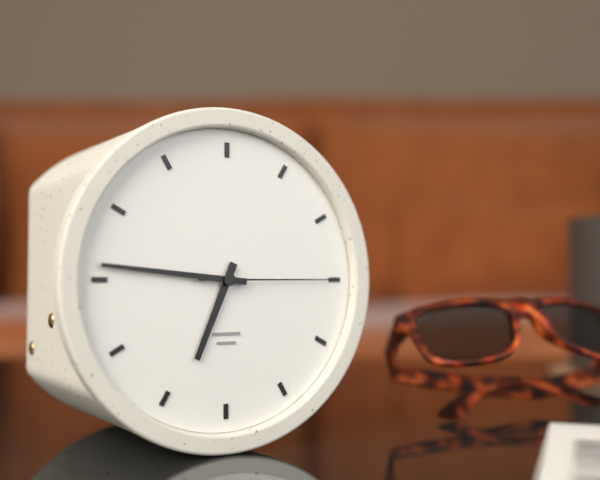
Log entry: 6,46,15
